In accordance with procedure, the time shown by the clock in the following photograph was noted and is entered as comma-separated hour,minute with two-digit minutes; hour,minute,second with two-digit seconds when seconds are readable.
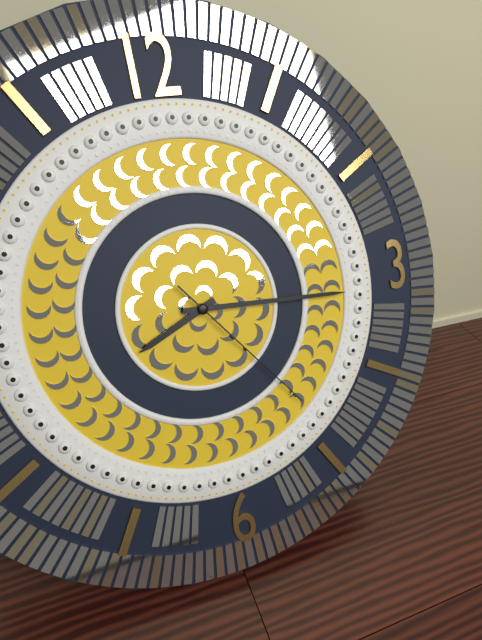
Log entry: 8,16,24
